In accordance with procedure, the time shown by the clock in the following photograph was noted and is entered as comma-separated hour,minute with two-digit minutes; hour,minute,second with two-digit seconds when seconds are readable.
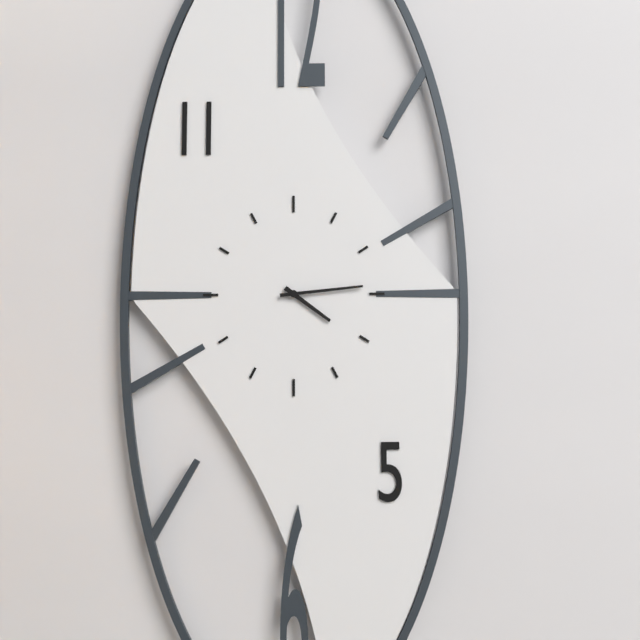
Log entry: 4,14
